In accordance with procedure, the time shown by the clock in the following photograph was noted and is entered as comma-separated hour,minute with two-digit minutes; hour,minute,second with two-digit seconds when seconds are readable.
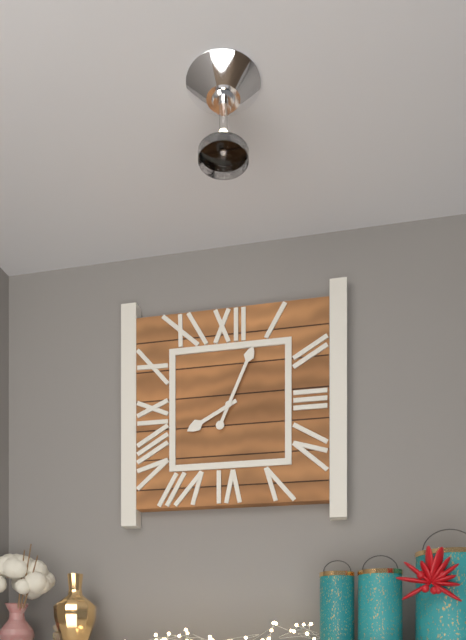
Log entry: 8,04
